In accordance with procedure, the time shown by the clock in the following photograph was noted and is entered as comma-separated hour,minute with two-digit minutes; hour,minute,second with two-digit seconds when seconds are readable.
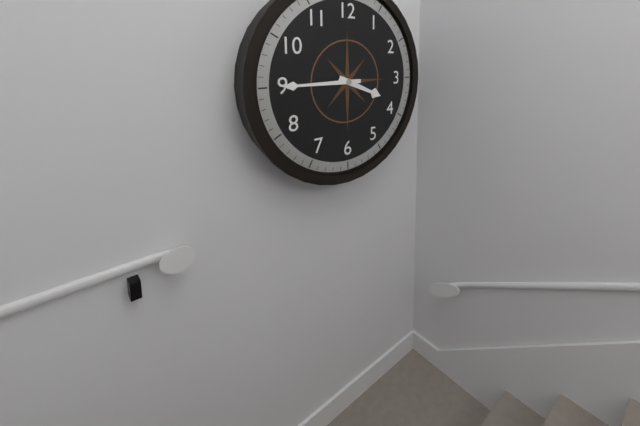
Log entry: 3,45
